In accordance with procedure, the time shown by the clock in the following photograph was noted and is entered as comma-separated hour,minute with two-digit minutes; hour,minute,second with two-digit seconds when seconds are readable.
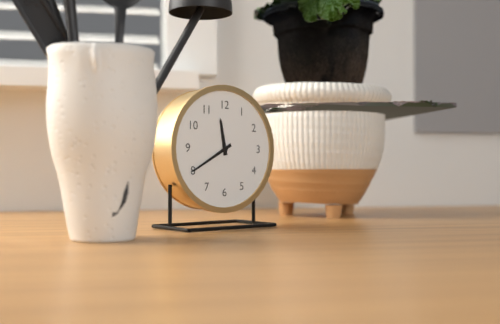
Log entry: 11,40
